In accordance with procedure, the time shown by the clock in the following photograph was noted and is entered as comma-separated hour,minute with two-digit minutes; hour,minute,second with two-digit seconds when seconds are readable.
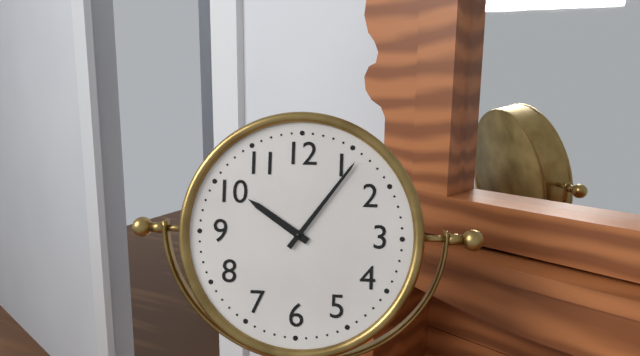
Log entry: 10,06
